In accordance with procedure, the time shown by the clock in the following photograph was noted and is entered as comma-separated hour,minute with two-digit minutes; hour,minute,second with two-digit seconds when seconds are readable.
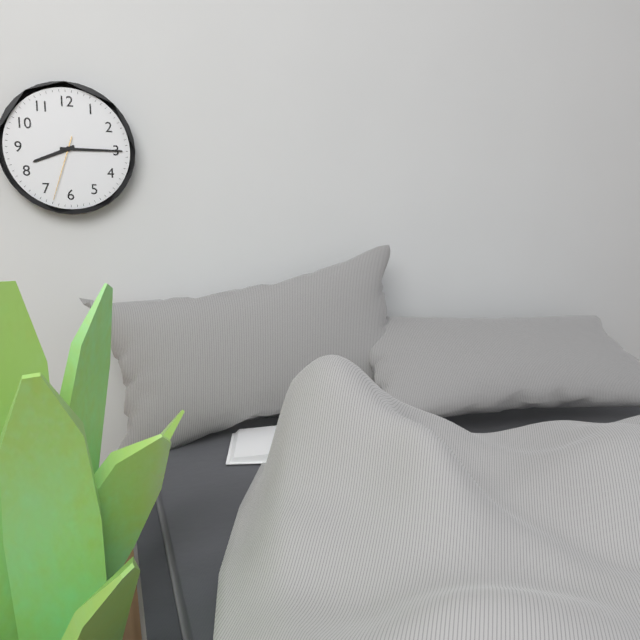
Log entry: 8,15,33
